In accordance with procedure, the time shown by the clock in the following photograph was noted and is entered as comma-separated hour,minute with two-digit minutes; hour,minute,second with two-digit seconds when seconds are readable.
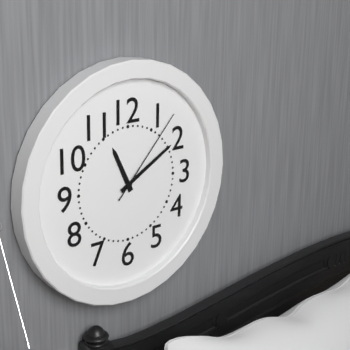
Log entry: 11,10,07
